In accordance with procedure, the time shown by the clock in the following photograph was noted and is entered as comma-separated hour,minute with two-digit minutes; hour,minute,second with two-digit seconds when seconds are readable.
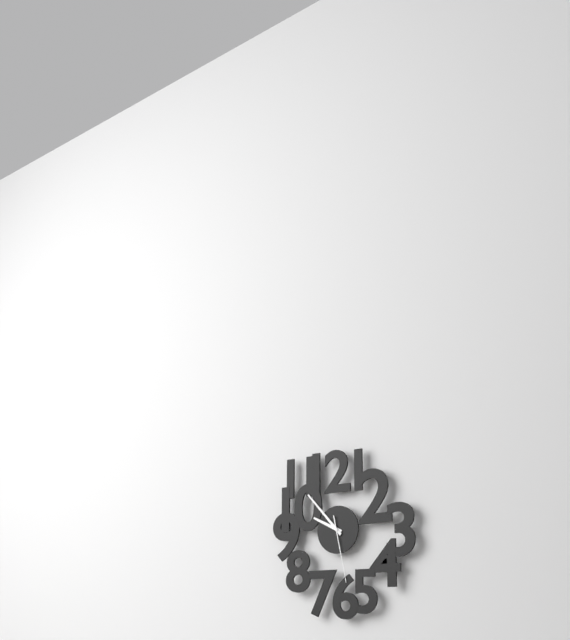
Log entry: 9,53,28
